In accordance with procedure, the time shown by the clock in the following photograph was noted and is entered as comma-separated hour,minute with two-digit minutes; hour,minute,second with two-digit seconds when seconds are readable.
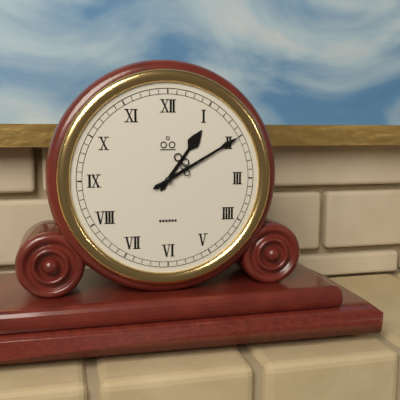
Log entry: 1,10
